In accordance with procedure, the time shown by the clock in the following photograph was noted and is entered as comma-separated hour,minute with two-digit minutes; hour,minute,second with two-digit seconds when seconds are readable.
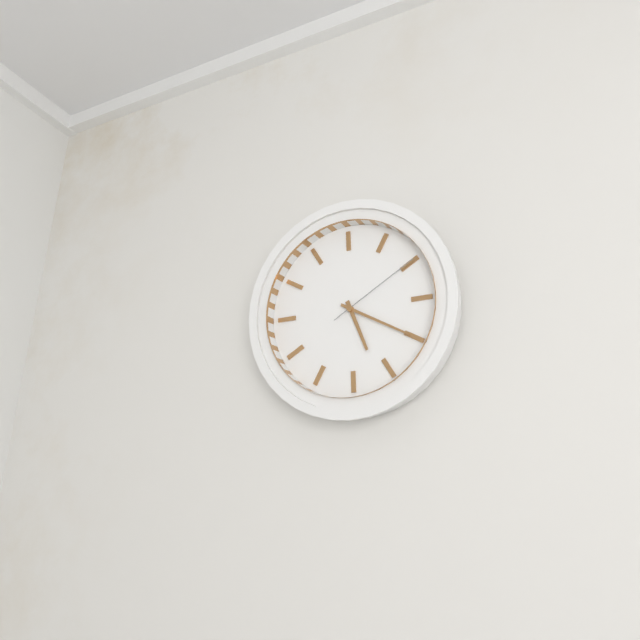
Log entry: 5,20,10
